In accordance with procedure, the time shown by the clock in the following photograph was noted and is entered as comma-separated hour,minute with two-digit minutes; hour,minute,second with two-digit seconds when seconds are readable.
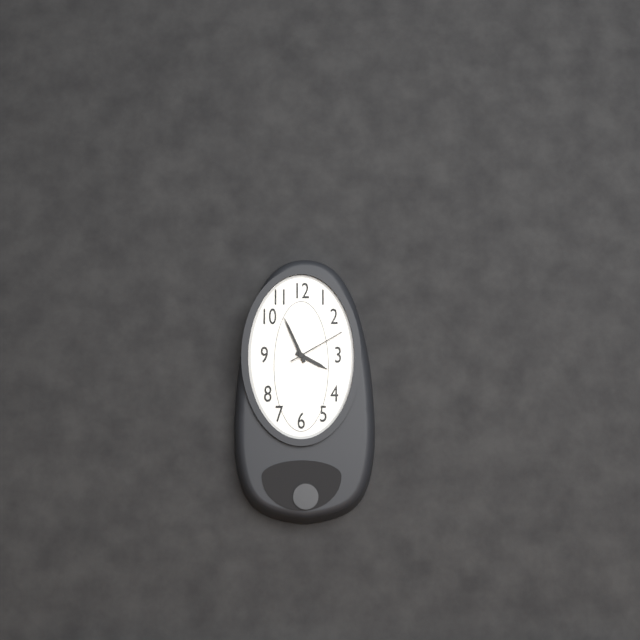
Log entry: 3,56,10
